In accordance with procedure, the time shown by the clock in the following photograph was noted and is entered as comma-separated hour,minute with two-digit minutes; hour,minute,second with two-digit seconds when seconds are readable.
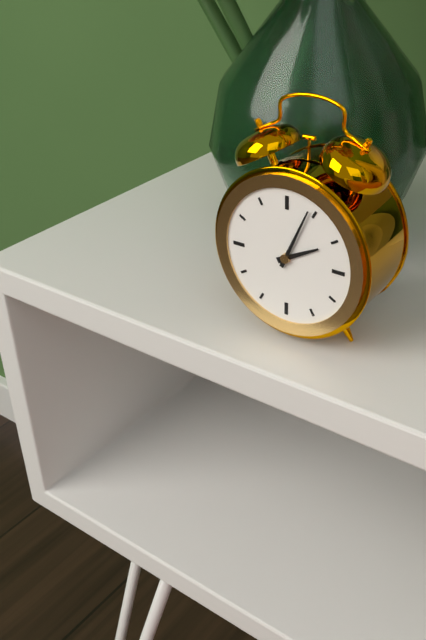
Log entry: 2,04
